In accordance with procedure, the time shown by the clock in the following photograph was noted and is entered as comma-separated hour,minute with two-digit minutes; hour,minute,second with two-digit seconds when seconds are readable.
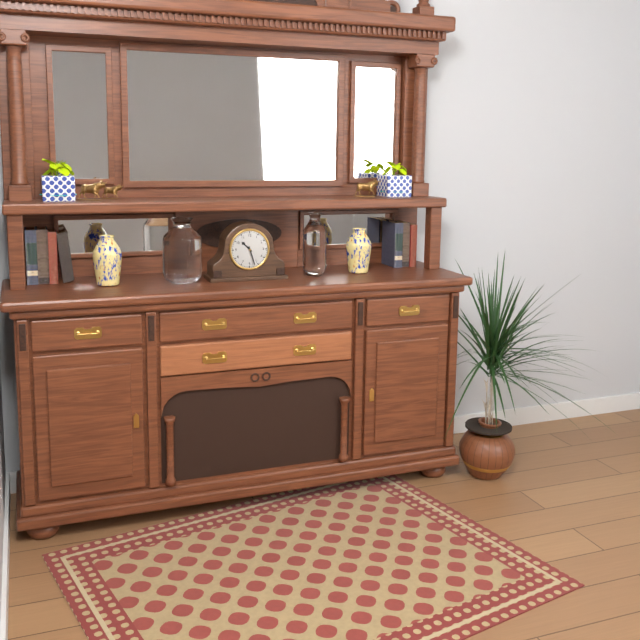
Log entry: 10,27
